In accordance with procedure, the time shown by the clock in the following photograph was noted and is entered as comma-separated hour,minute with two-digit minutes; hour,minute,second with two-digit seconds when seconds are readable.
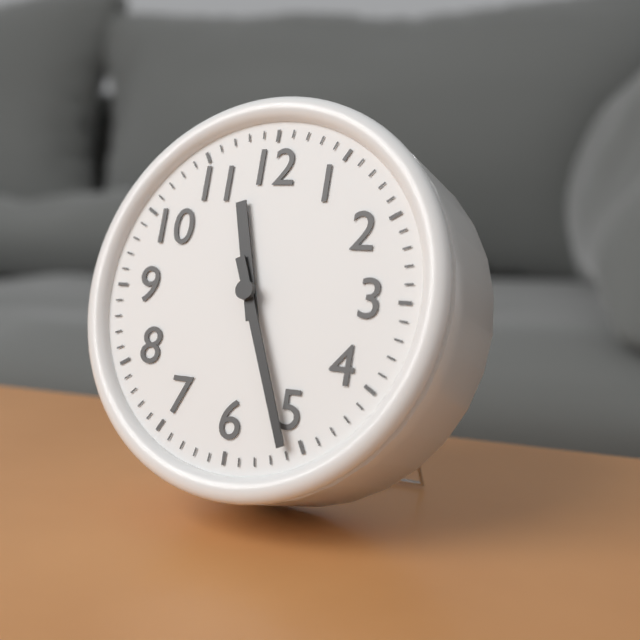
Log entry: 11,26
